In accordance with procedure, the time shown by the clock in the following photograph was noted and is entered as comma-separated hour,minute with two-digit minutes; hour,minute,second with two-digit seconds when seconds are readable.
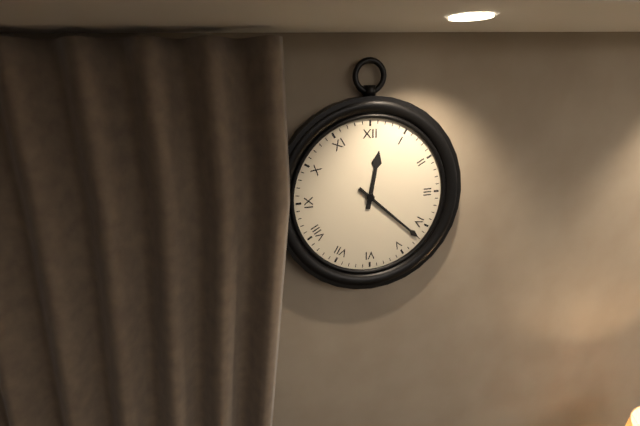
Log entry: 12,22
